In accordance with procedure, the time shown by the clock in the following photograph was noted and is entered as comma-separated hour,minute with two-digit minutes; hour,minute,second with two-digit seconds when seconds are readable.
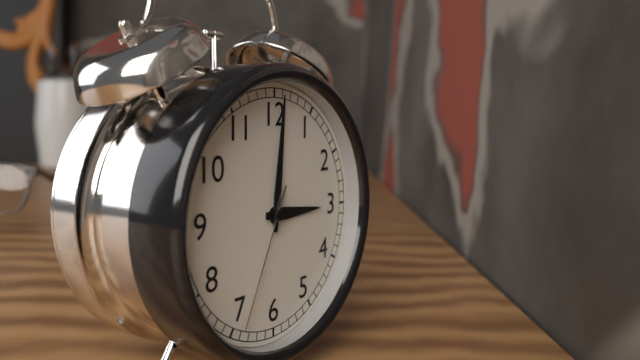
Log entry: 3,01,34
